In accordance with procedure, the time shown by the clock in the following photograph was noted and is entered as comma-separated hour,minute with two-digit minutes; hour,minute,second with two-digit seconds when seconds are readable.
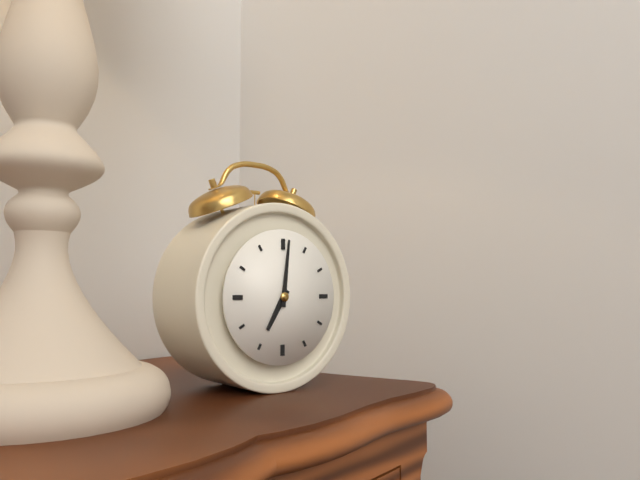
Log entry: 7,01
